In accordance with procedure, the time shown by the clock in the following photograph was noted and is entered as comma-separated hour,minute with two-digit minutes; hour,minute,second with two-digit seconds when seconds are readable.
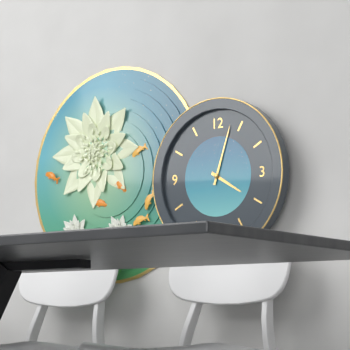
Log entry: 4,03
